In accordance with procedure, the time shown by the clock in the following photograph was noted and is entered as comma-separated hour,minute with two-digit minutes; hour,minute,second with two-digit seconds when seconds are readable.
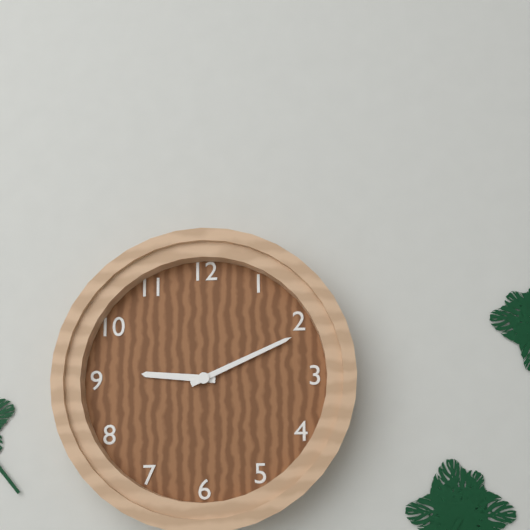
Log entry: 9,11
